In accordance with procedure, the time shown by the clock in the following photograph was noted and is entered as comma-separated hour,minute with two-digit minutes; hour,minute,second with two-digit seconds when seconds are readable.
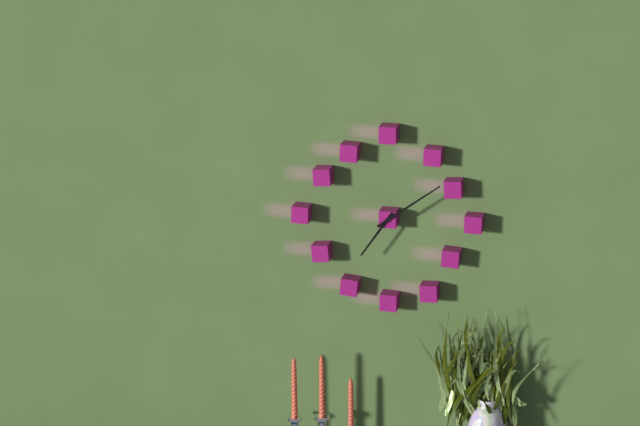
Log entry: 7,09
